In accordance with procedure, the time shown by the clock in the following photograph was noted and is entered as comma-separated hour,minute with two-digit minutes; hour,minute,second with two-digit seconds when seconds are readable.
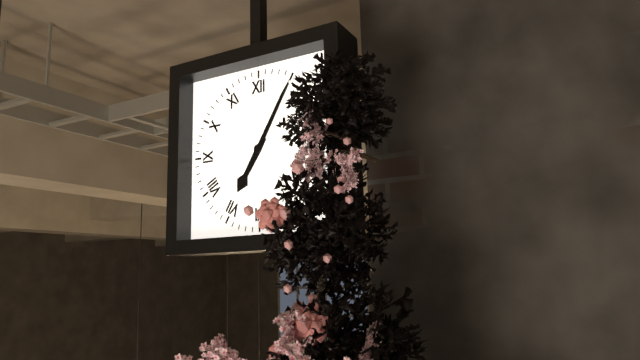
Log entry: 7,05
